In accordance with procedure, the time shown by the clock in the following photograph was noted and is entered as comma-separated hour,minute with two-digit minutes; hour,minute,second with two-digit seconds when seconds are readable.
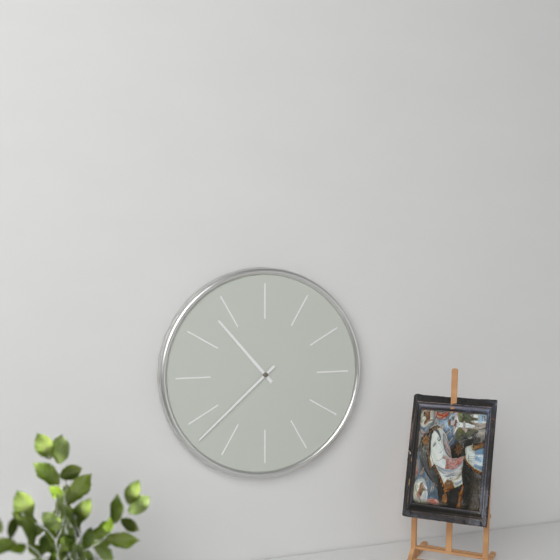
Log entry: 10,38
